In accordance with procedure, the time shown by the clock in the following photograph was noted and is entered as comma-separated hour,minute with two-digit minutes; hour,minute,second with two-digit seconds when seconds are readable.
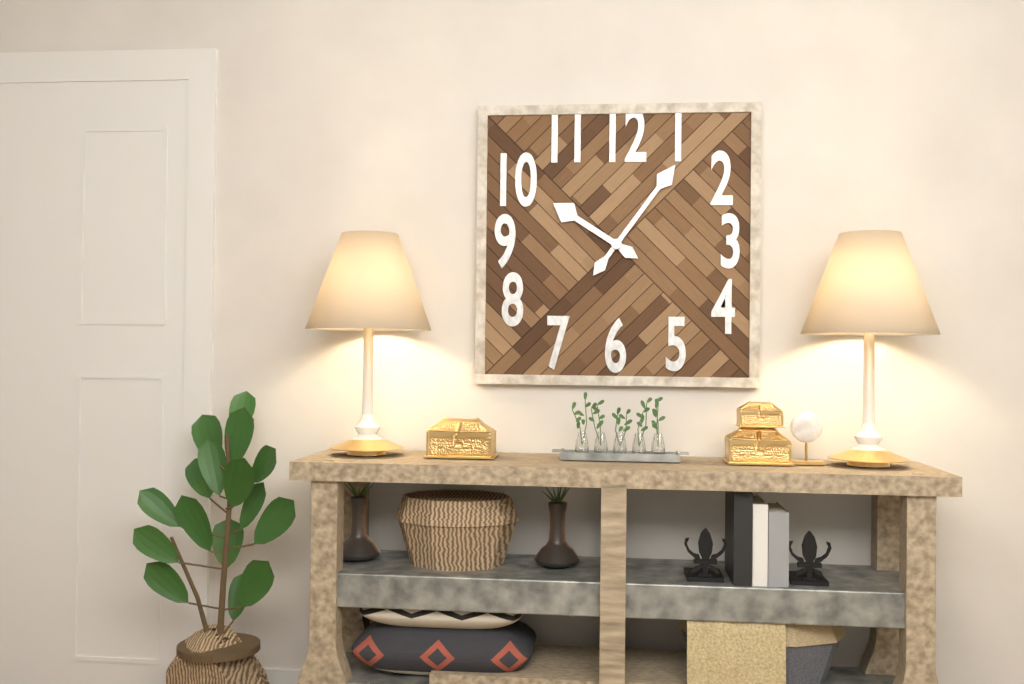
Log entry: 10,06
